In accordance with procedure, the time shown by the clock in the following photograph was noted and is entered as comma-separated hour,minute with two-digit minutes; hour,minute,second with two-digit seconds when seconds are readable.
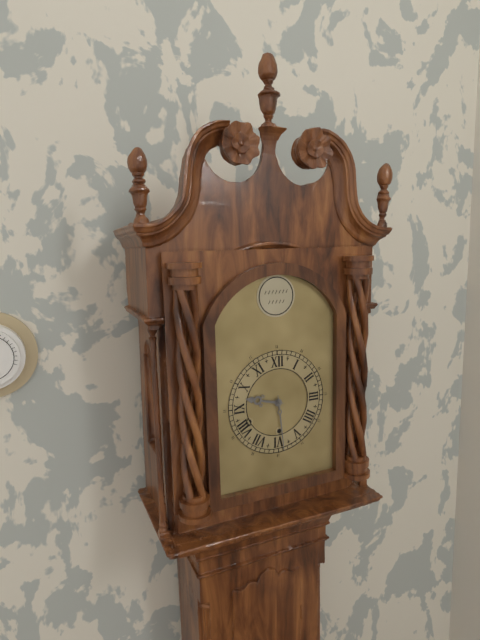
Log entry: 9,29
